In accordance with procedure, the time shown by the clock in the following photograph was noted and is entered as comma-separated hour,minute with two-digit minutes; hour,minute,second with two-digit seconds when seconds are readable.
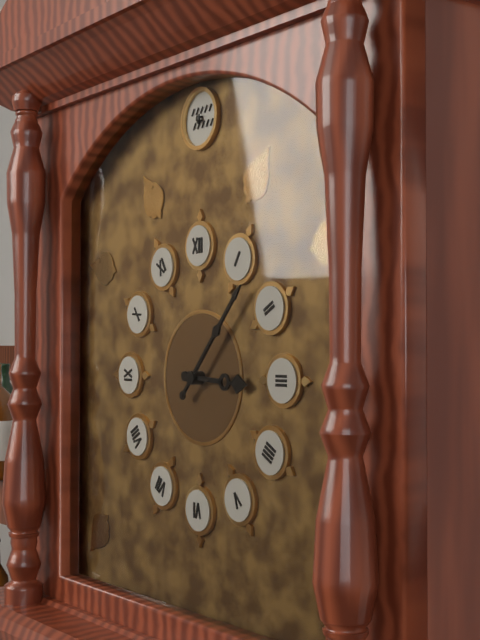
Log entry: 3,07
